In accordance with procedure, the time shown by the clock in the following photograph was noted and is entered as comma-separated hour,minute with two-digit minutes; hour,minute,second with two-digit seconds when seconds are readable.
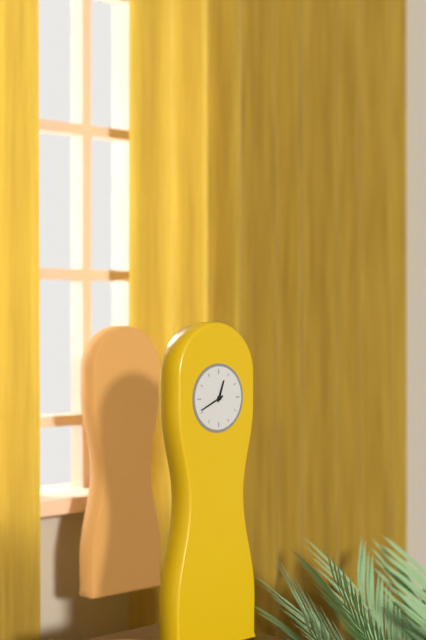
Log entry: 12,41
